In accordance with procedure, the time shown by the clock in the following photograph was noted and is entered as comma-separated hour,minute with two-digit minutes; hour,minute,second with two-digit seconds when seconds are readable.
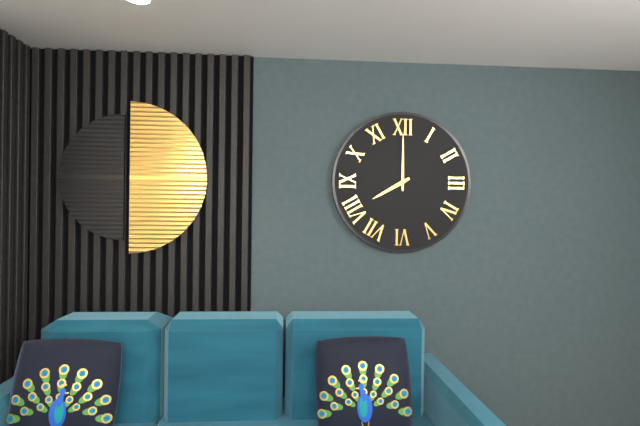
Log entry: 8,00
